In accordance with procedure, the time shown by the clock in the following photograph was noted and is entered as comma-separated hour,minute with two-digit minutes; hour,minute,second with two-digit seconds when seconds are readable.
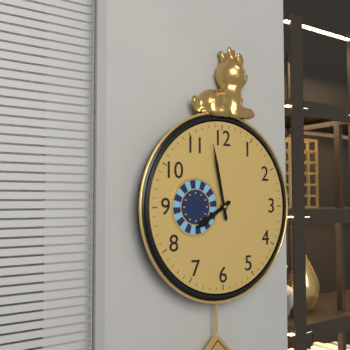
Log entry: 7,58
